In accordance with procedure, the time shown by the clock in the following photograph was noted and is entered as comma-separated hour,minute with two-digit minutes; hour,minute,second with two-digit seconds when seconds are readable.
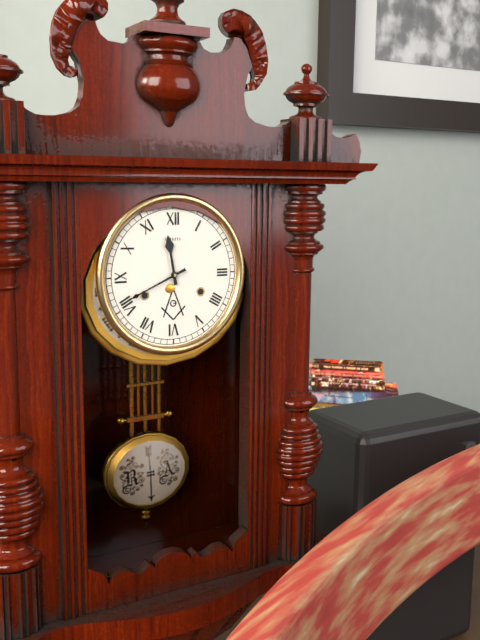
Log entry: 11,41
